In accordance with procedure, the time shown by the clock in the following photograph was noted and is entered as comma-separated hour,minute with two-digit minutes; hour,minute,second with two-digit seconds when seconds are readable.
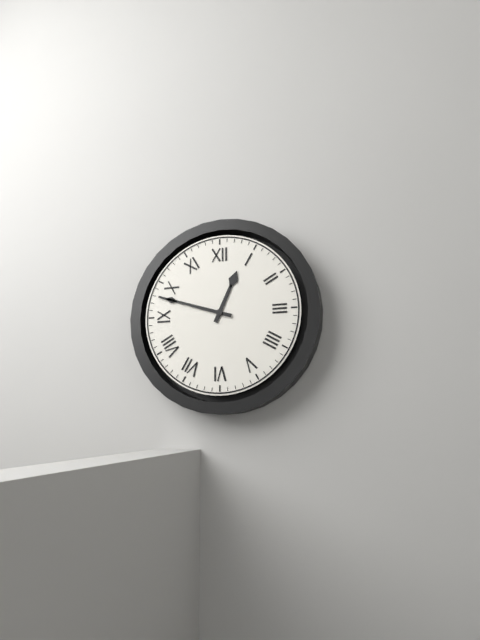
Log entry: 12,48
